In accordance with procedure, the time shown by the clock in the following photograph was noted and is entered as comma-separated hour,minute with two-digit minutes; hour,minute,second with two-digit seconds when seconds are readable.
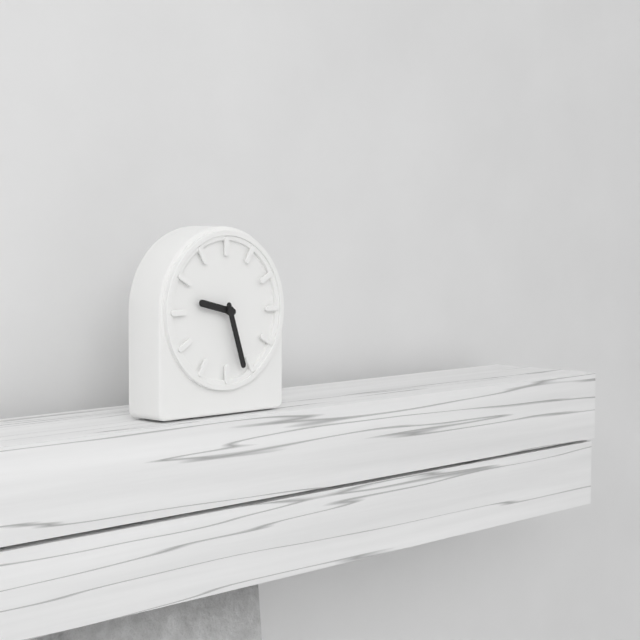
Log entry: 9,27
